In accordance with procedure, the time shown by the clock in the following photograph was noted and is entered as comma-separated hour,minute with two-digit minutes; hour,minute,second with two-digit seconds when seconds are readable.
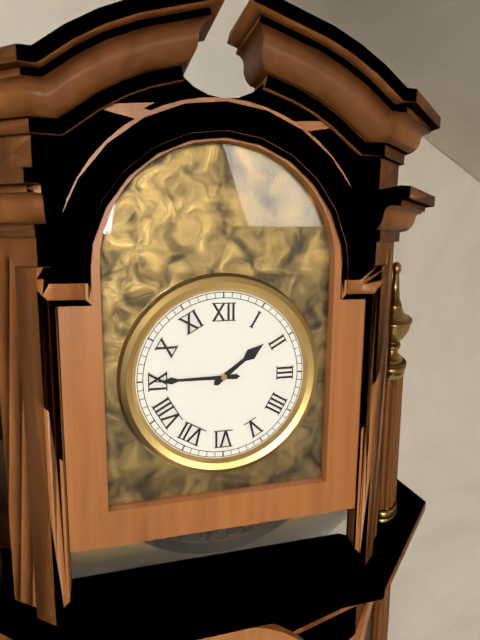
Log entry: 1,45
